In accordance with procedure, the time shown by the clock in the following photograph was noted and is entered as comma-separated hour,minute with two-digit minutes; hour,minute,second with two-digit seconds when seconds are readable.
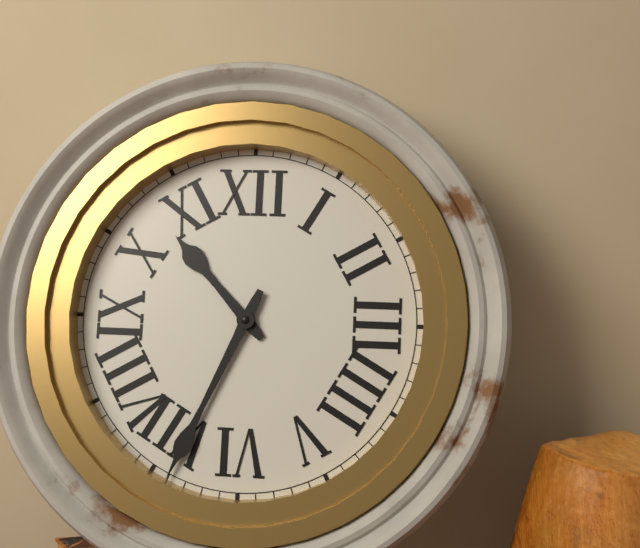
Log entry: 10,34
